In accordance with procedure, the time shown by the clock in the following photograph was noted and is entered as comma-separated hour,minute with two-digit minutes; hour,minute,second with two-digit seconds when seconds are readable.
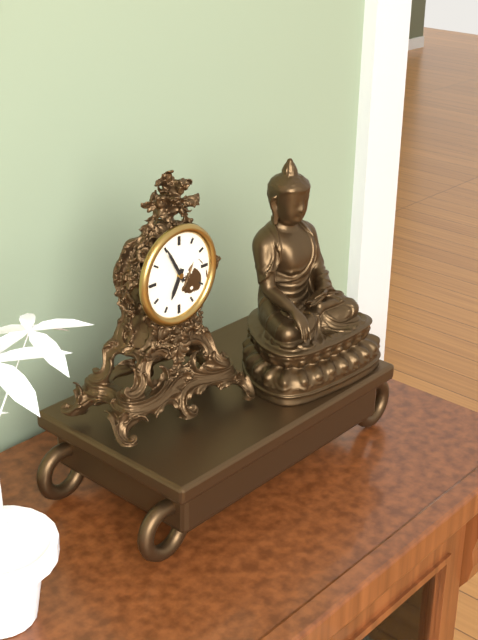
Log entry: 6,55
